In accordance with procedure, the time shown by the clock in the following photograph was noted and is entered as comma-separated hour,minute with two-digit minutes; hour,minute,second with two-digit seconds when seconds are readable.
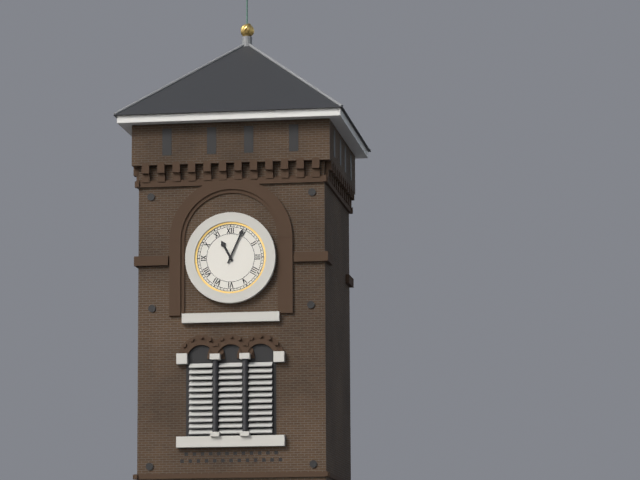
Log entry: 11,04
